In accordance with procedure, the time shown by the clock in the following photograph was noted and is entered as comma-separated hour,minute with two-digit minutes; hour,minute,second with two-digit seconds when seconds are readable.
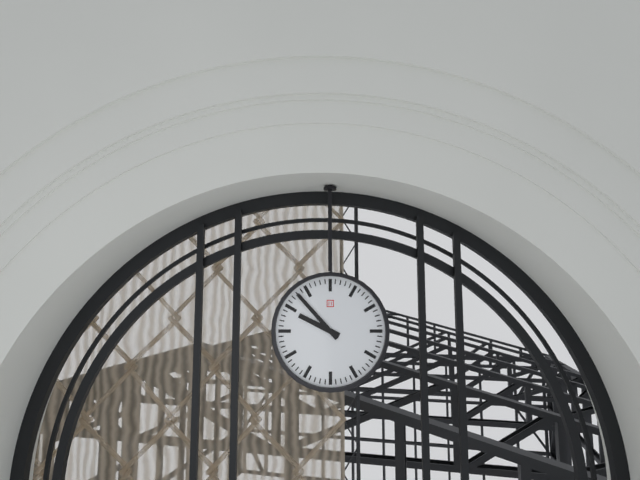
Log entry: 9,53
